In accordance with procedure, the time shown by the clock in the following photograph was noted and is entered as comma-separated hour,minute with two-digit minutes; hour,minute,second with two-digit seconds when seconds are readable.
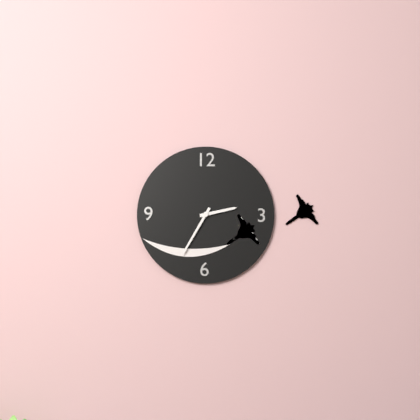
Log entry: 2,35
